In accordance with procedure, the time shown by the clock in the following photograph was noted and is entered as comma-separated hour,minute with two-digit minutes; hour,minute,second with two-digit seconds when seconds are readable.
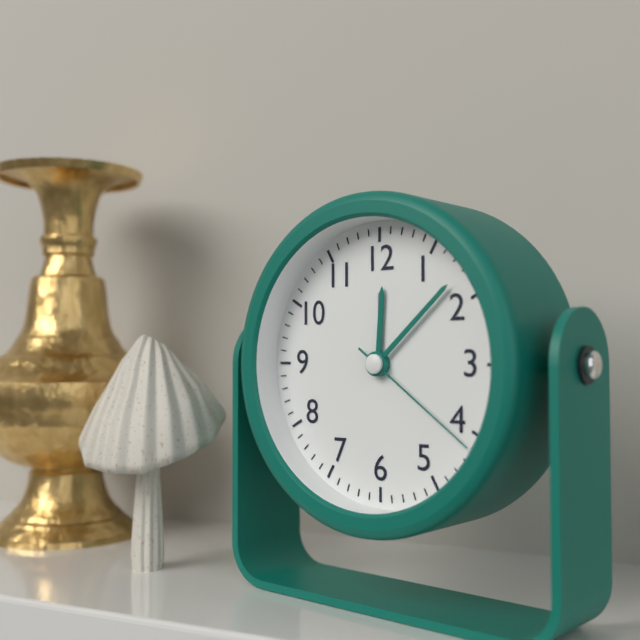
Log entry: 12,08,21
